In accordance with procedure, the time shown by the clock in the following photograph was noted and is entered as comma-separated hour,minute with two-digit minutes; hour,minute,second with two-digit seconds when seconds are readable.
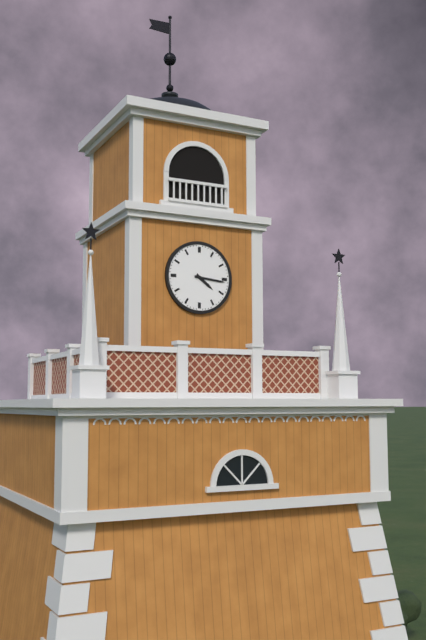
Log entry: 4,16
